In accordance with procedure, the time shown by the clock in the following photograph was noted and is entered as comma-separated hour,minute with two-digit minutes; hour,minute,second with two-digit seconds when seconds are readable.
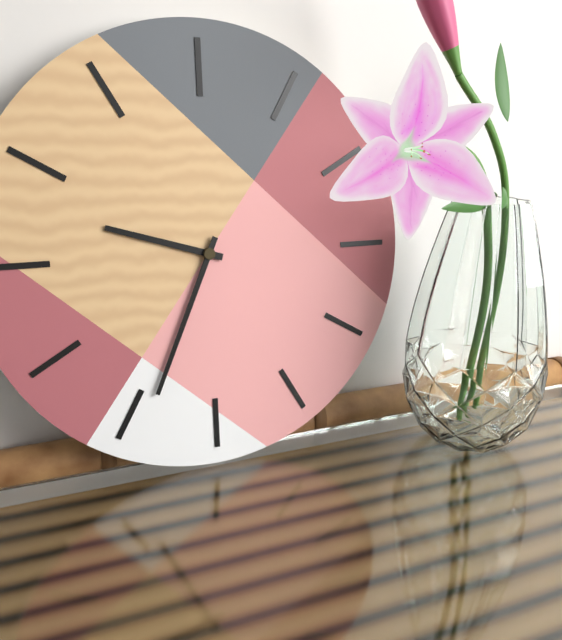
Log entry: 9,34
